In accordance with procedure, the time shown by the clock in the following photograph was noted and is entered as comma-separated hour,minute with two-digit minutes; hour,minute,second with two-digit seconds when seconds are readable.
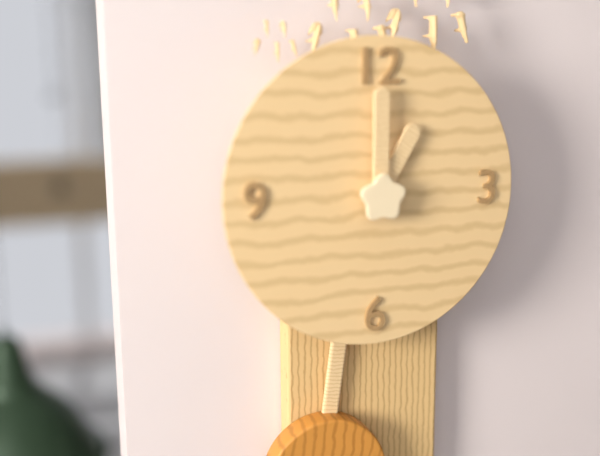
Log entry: 1,00
